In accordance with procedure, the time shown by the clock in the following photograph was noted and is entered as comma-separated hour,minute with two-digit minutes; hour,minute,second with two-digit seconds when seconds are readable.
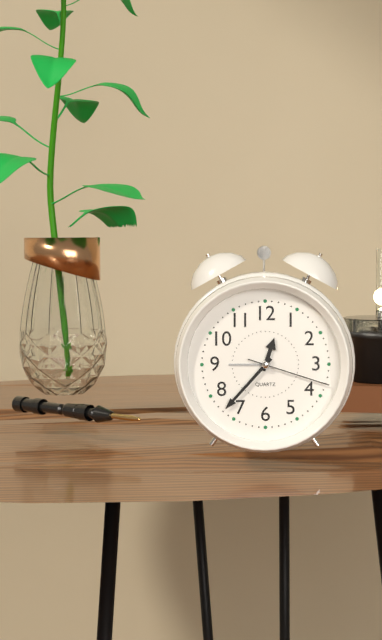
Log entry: 12,37,18
